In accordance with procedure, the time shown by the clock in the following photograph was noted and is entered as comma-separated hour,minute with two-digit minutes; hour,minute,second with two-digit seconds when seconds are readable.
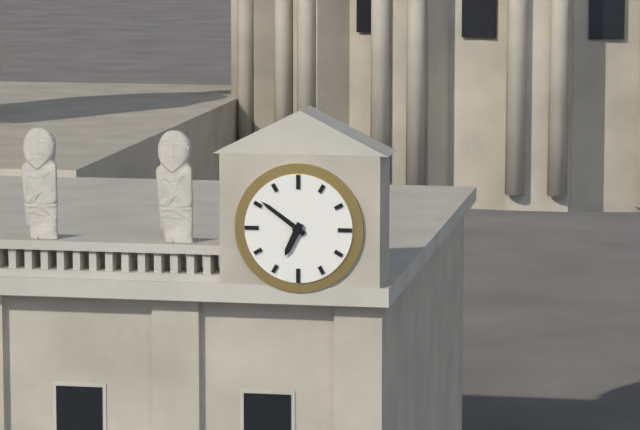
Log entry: 6,51
